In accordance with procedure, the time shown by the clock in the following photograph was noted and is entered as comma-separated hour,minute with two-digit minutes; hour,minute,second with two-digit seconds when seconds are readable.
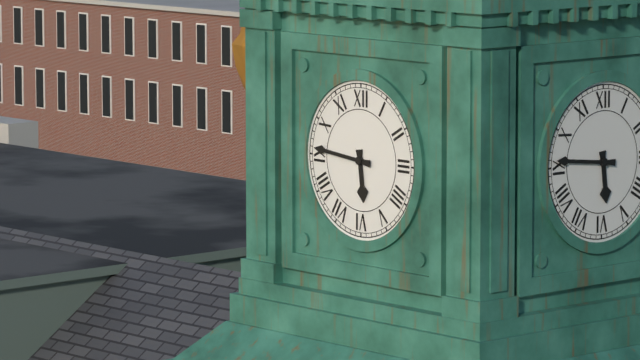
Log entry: 5,46
